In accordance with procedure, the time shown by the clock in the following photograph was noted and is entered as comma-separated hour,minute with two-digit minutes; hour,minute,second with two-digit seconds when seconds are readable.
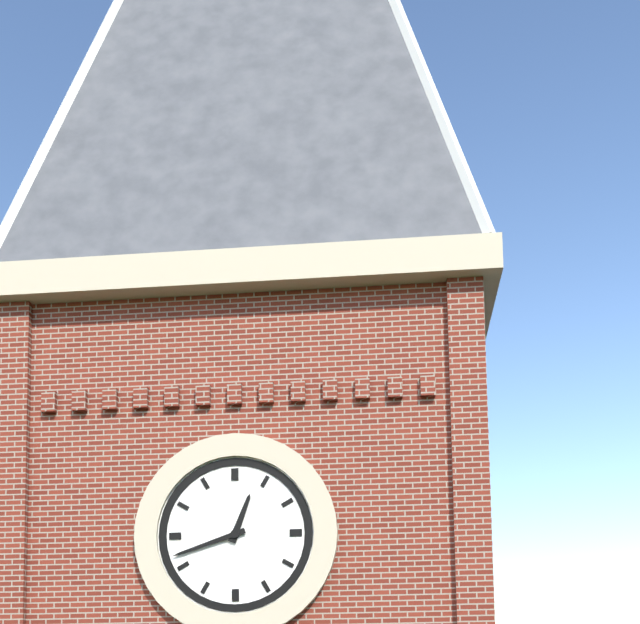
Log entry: 12,42
